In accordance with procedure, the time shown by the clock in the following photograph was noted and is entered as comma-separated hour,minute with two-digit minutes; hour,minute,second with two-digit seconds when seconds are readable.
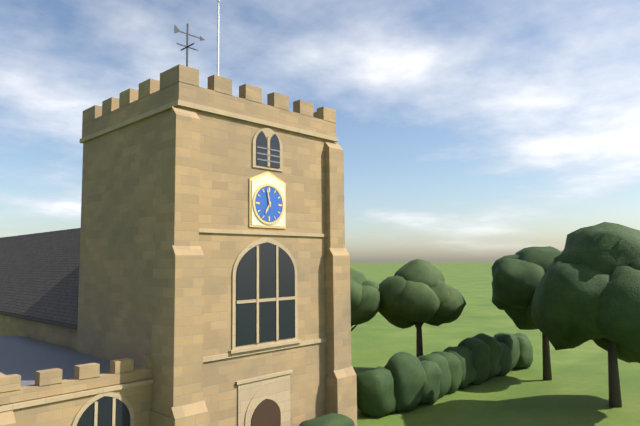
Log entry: 6,58
